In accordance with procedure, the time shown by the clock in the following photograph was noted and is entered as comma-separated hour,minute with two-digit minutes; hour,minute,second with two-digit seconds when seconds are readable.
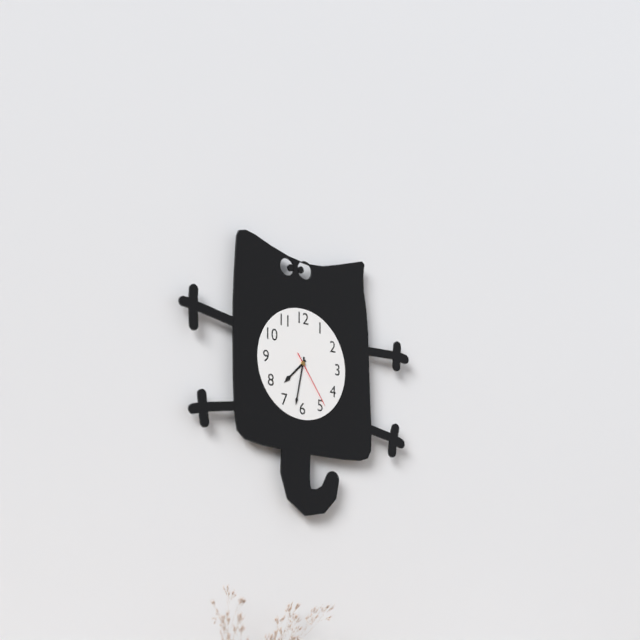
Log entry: 7,32,24
